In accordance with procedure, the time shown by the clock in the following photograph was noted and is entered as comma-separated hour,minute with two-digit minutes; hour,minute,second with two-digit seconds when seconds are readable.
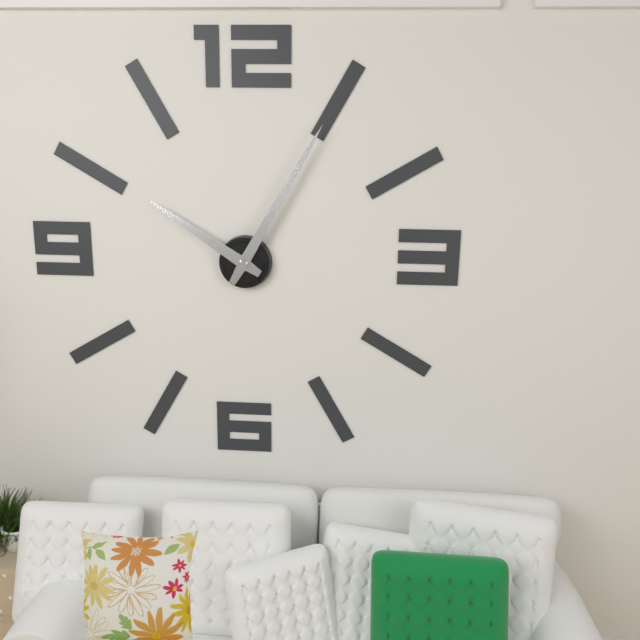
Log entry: 10,05
